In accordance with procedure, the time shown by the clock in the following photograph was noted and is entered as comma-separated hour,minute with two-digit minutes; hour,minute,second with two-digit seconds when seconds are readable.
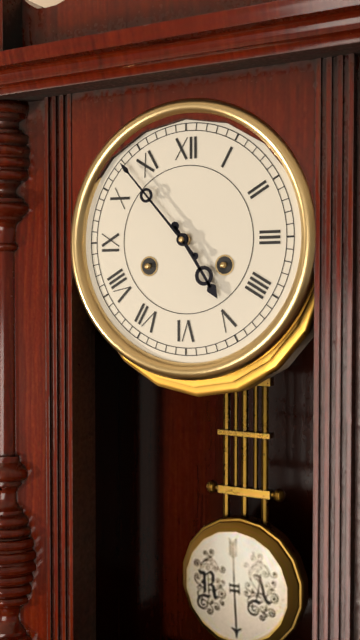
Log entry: 4,53
